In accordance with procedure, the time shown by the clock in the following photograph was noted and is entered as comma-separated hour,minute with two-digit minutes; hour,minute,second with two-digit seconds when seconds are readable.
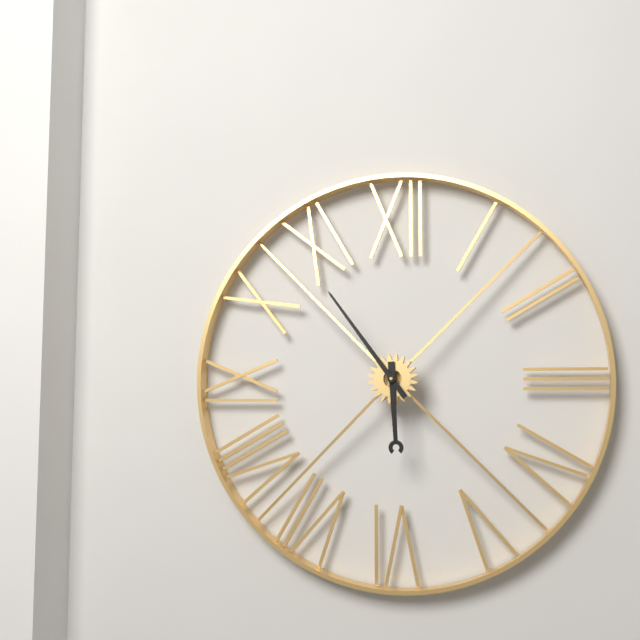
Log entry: 5,54
